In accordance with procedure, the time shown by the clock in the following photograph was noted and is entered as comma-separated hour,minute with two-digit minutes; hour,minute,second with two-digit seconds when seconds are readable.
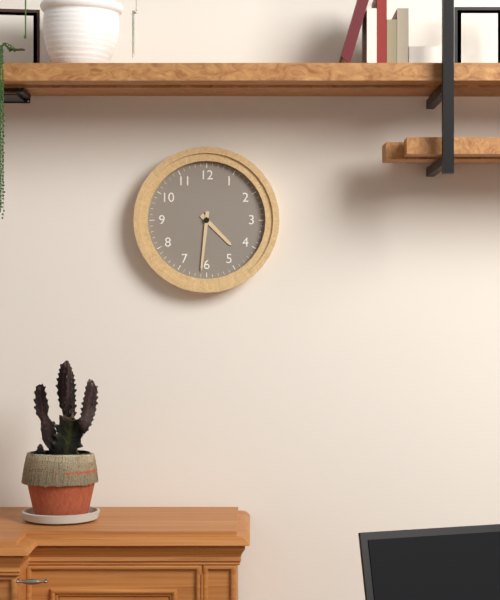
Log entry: 4,31
